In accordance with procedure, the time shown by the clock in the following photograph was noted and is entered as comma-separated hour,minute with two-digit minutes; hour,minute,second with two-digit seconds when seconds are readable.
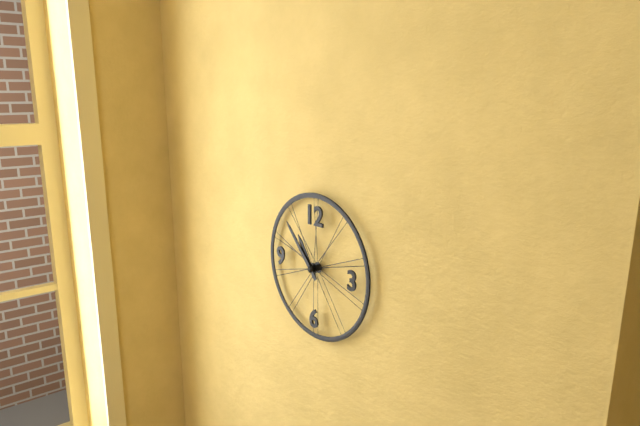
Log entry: 10,53
